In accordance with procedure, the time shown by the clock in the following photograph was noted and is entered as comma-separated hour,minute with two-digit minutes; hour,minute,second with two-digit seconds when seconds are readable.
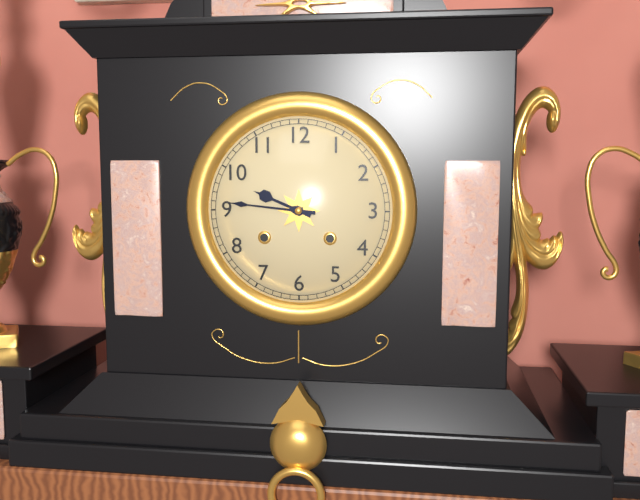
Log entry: 9,46
